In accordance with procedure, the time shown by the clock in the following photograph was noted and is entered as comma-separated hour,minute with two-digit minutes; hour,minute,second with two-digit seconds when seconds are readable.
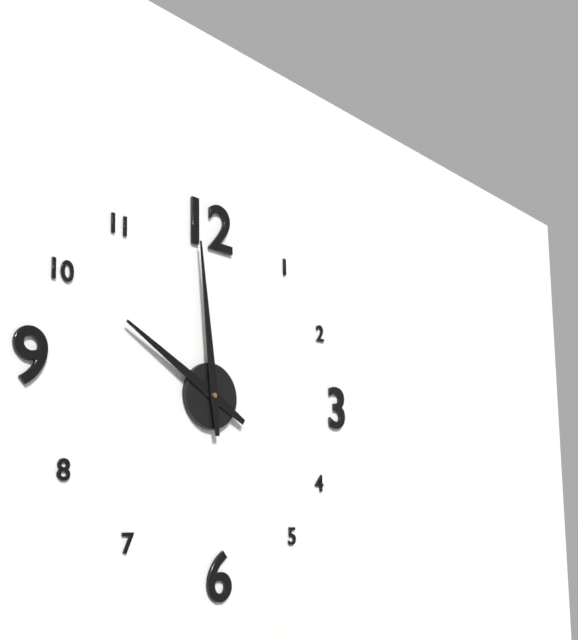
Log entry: 9,59
